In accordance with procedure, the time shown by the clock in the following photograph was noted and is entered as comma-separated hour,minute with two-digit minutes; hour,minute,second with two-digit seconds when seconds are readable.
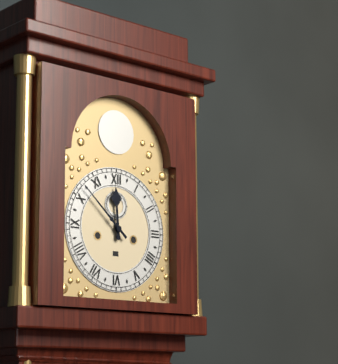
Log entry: 11,52
